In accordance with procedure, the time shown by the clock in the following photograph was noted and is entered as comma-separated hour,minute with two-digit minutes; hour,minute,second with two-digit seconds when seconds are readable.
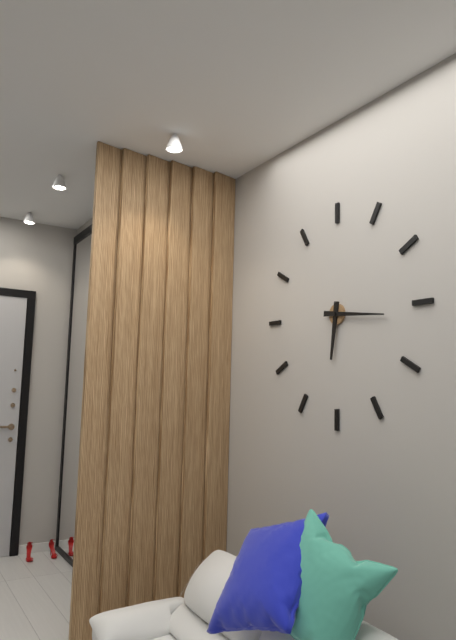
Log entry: 6,16
